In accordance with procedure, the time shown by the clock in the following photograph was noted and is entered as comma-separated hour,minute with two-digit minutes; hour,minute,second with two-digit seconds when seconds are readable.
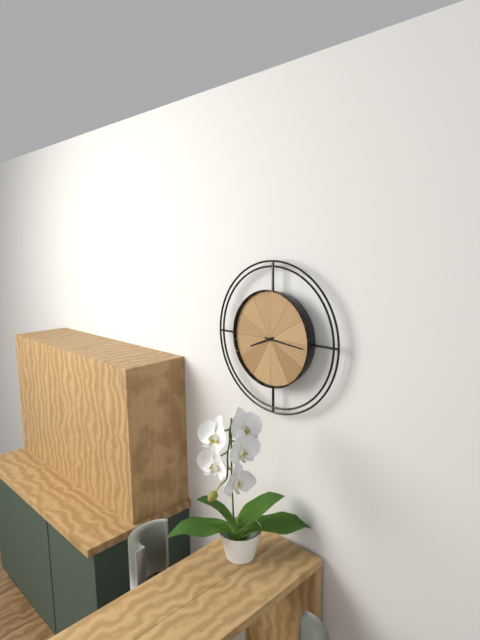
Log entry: 8,16
